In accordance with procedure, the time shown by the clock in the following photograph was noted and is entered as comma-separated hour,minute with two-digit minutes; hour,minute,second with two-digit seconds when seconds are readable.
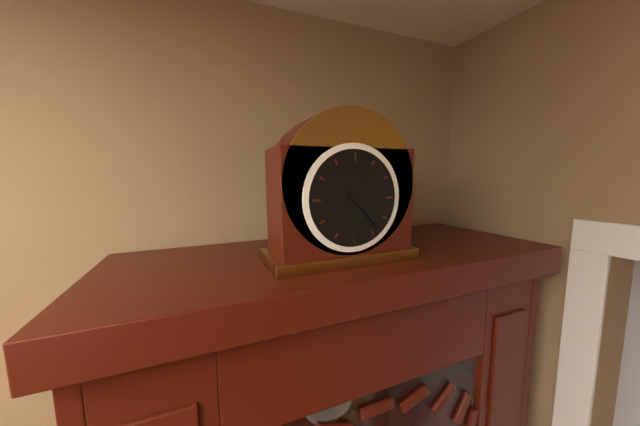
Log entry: 3,23
